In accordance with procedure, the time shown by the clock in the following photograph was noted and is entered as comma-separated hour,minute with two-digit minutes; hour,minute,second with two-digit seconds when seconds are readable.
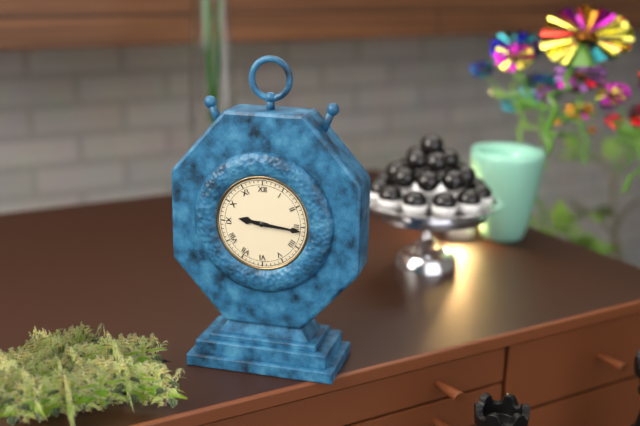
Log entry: 9,16
